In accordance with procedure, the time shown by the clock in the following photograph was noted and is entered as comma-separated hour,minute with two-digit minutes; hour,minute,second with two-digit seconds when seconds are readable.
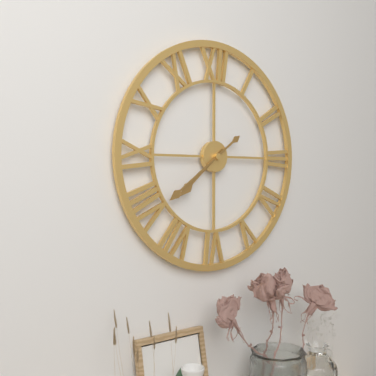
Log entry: 7,39
